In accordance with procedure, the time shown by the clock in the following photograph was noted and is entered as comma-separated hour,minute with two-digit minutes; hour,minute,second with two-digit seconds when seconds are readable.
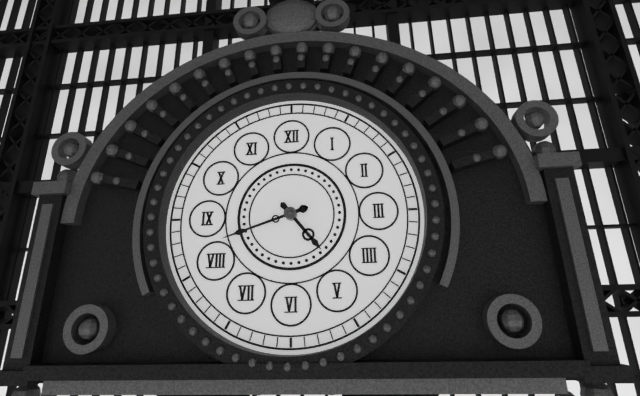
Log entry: 4,42
